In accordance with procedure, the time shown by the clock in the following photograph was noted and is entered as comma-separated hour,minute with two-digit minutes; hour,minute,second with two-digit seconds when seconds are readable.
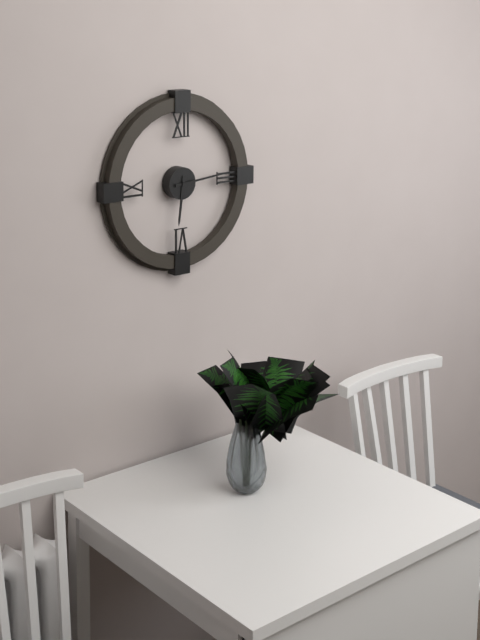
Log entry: 6,14
